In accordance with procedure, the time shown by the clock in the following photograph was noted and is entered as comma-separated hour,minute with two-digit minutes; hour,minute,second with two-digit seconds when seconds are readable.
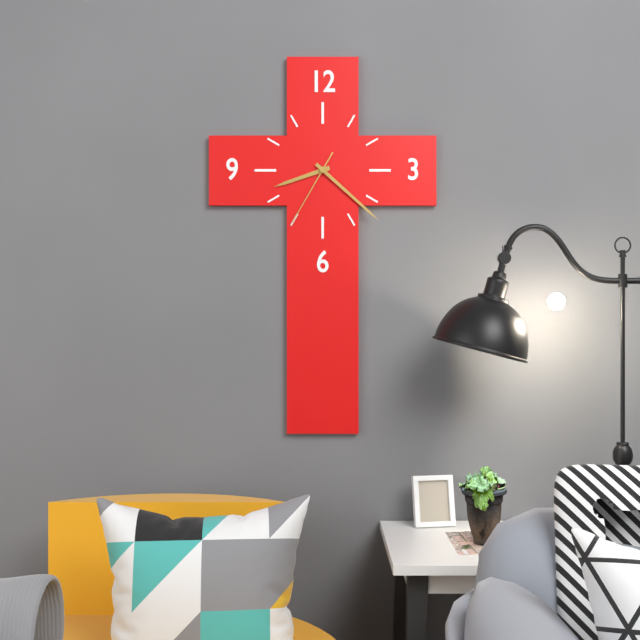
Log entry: 8,22,35
